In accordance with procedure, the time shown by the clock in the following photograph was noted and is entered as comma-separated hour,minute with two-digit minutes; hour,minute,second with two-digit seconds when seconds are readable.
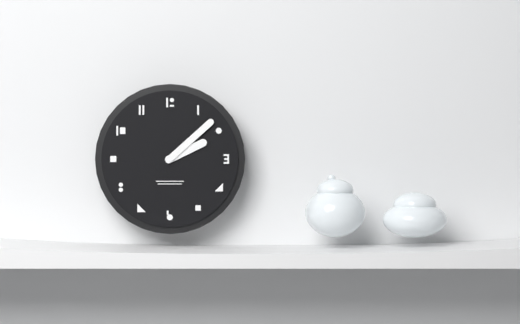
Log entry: 2,08
